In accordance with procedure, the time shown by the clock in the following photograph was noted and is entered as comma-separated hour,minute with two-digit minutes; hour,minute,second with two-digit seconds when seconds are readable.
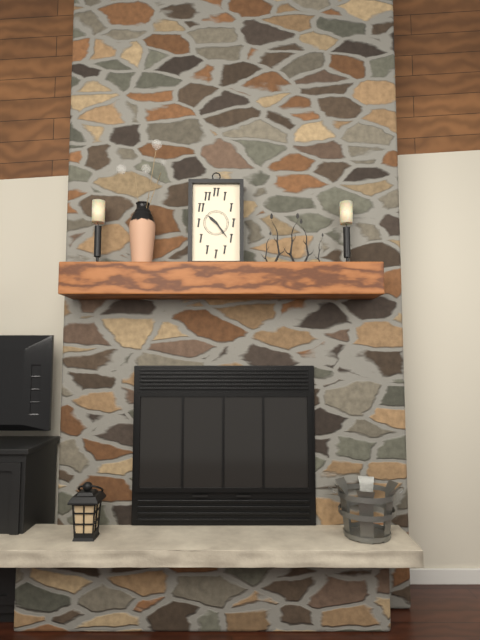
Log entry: 10,24
